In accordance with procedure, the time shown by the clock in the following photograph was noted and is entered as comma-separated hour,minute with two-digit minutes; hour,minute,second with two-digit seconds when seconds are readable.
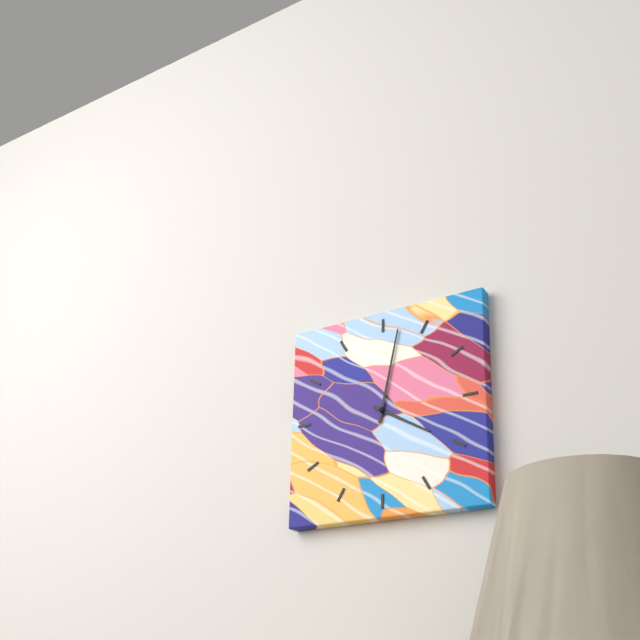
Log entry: 4,02
